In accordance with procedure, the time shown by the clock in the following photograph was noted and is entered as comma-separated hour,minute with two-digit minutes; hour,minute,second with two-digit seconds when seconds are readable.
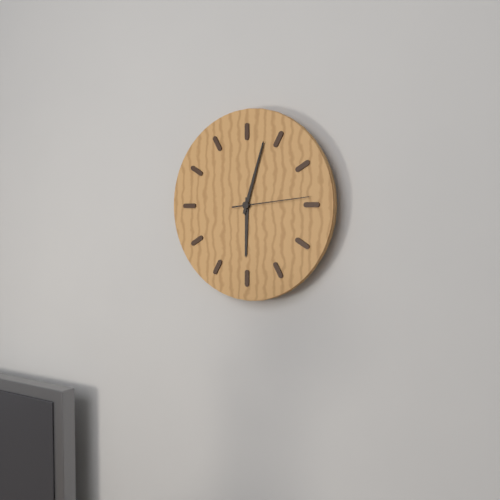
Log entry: 6,03,14
